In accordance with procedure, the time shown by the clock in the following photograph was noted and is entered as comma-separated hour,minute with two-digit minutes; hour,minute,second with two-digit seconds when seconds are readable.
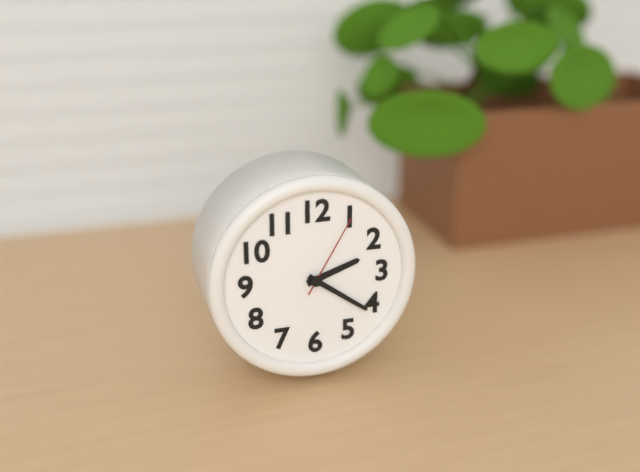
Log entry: 2,21,05
